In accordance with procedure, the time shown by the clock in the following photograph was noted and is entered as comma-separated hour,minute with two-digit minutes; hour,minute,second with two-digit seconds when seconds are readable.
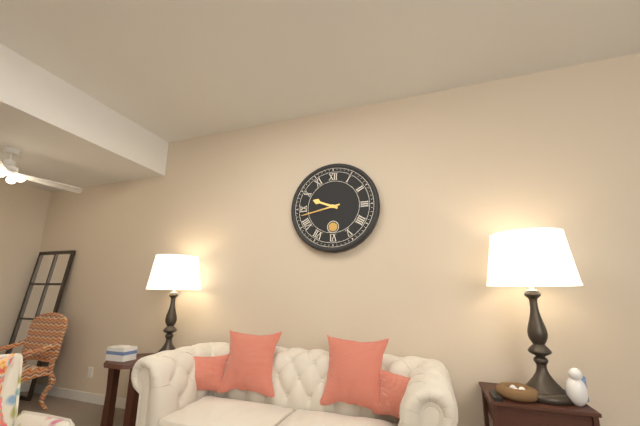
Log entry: 9,43
